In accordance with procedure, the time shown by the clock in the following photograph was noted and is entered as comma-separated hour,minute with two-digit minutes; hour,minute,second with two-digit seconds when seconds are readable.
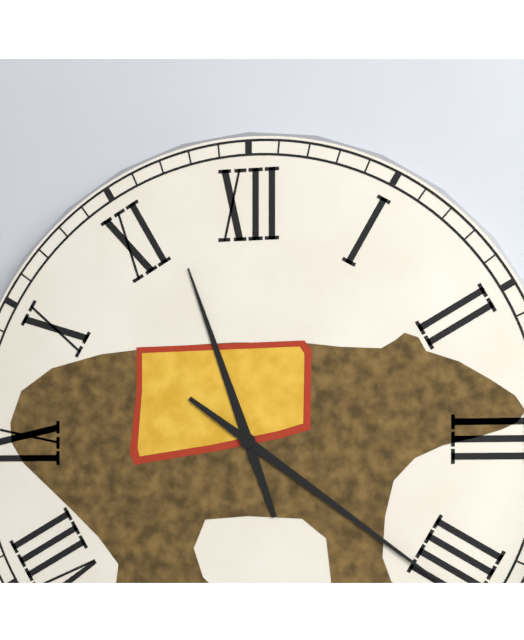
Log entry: 11,21
